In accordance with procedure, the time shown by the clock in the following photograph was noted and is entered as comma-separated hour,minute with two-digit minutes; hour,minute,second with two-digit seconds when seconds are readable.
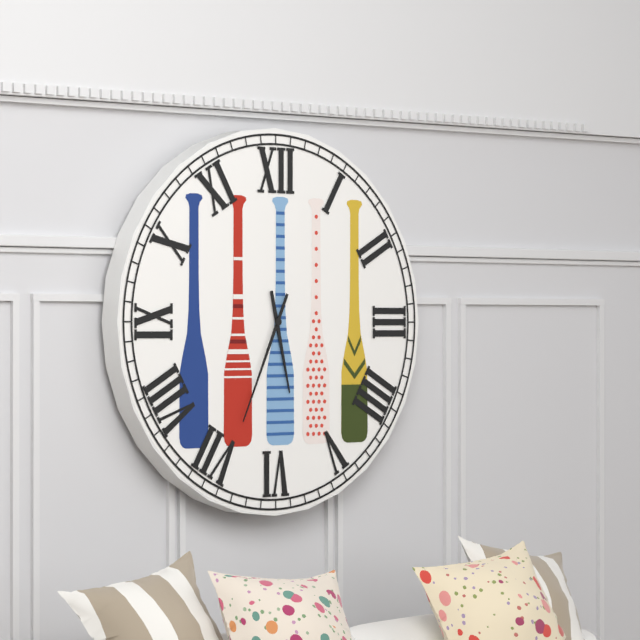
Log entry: 5,34
